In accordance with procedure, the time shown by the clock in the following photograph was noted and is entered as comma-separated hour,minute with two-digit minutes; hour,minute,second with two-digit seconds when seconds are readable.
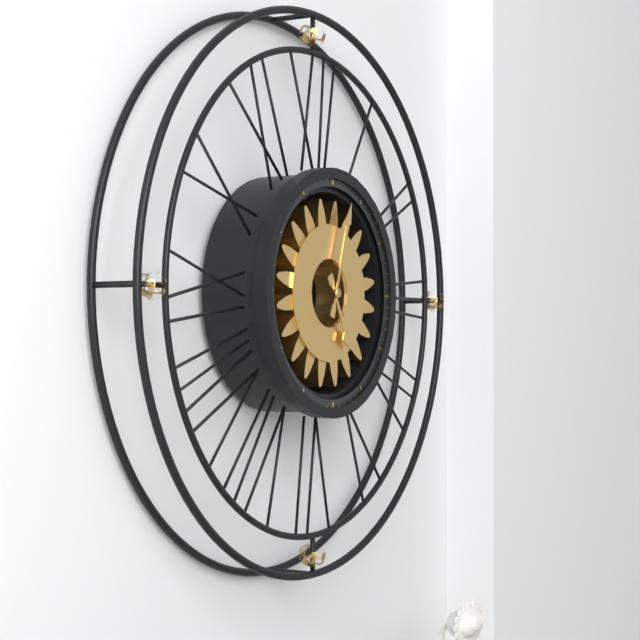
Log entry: 5,03
